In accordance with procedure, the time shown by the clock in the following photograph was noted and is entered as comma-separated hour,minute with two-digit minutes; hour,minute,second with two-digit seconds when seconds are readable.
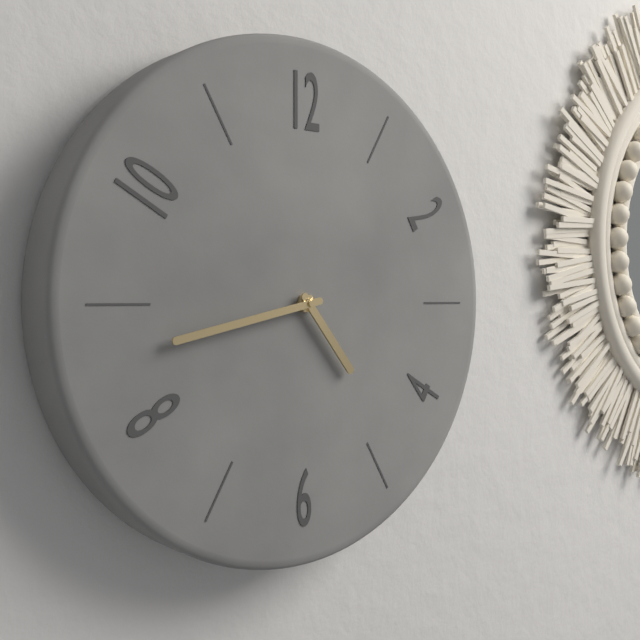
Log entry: 4,43
